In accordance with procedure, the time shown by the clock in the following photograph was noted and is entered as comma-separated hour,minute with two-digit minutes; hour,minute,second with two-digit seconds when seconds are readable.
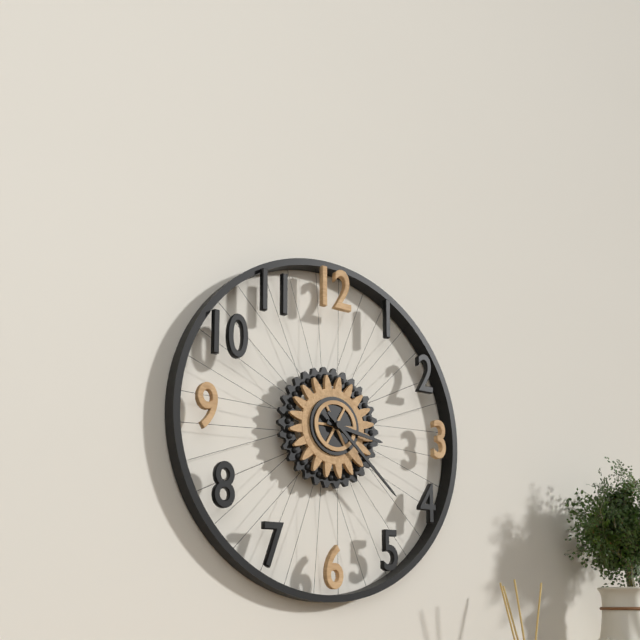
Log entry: 3,22
